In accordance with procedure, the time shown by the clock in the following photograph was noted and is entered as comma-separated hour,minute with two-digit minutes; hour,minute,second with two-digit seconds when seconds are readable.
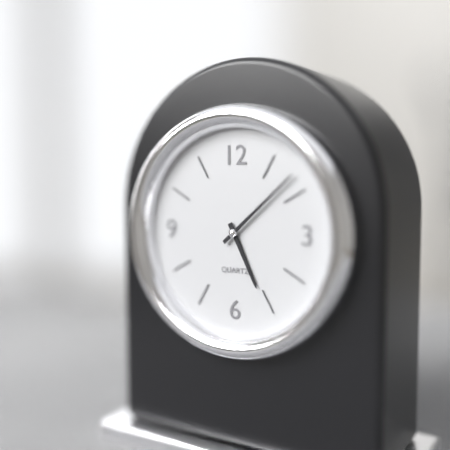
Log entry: 5,08
